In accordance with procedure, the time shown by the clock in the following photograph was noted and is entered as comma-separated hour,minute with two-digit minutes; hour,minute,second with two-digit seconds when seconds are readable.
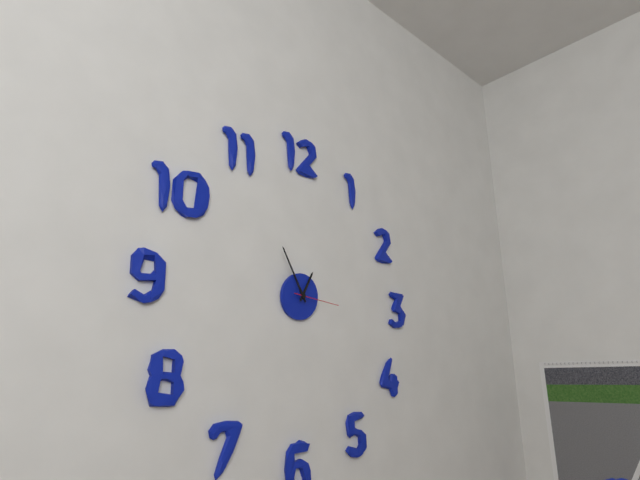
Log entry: 12,55
